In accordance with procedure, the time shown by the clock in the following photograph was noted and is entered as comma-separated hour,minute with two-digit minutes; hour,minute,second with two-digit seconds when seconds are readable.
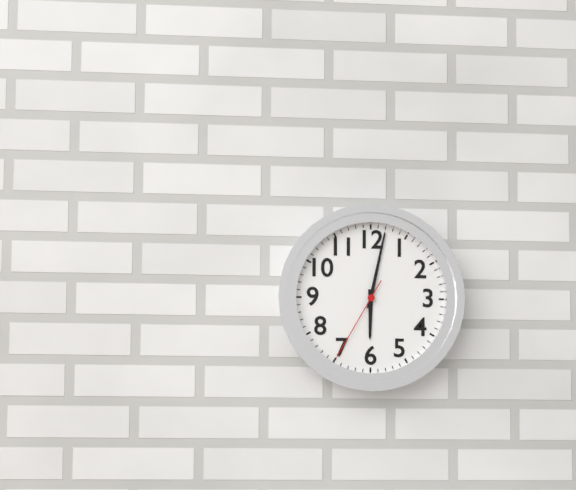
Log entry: 6,02,35
